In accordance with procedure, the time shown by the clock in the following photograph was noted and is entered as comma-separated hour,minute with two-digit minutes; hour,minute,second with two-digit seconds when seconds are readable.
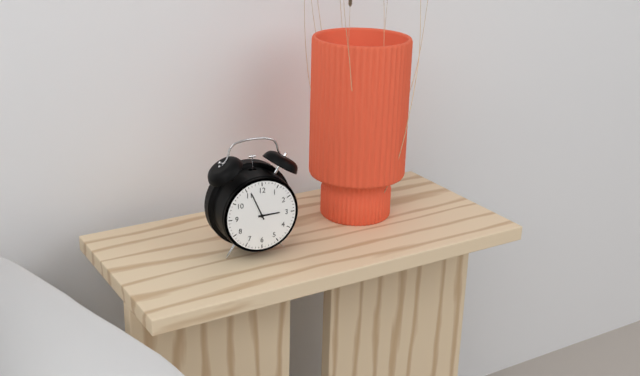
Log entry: 2,56
